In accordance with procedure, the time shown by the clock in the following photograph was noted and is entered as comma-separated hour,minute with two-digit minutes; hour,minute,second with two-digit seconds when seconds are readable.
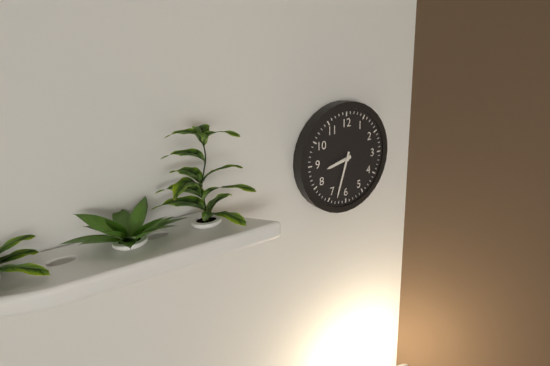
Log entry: 8,33
